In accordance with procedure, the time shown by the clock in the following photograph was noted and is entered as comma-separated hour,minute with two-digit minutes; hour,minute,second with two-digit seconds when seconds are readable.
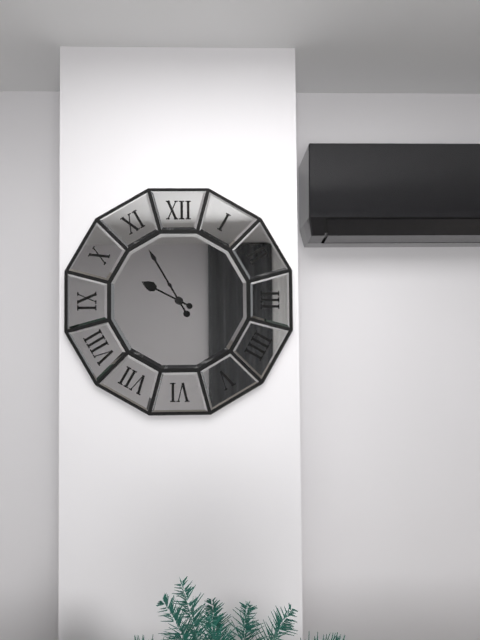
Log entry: 9,55
